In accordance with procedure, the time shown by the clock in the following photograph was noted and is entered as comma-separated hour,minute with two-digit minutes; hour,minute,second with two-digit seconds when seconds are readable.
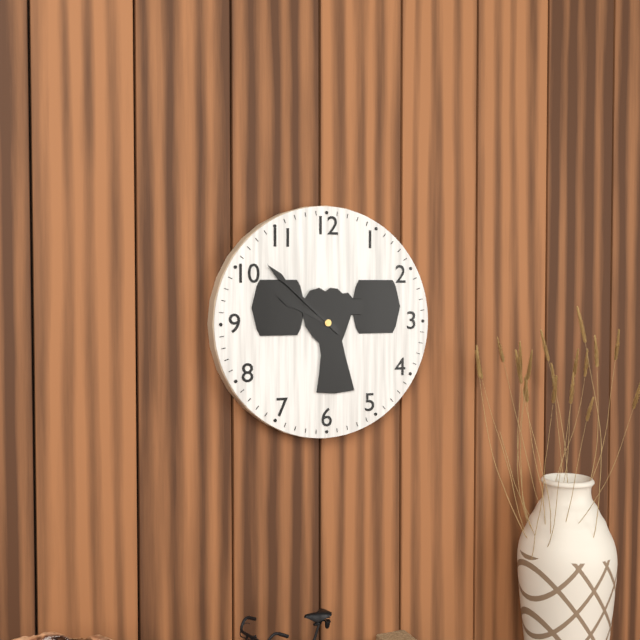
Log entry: 9,52
